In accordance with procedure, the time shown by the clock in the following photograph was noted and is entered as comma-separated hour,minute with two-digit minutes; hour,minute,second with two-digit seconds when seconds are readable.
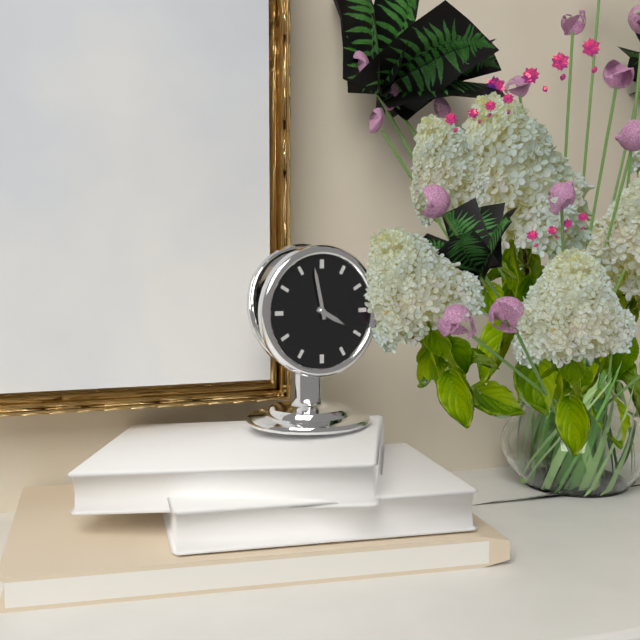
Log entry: 3,58
